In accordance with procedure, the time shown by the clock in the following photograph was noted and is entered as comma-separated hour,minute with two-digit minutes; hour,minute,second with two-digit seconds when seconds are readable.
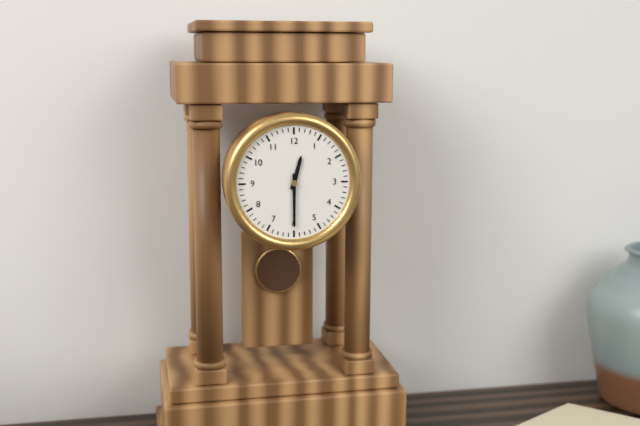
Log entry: 12,30
